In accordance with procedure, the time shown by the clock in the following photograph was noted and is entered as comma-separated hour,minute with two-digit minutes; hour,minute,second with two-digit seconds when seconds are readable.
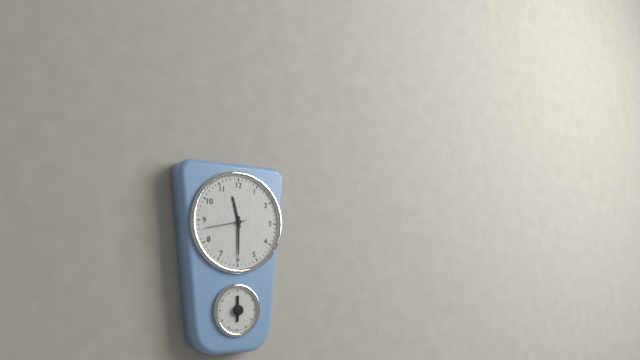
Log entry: 11,30
